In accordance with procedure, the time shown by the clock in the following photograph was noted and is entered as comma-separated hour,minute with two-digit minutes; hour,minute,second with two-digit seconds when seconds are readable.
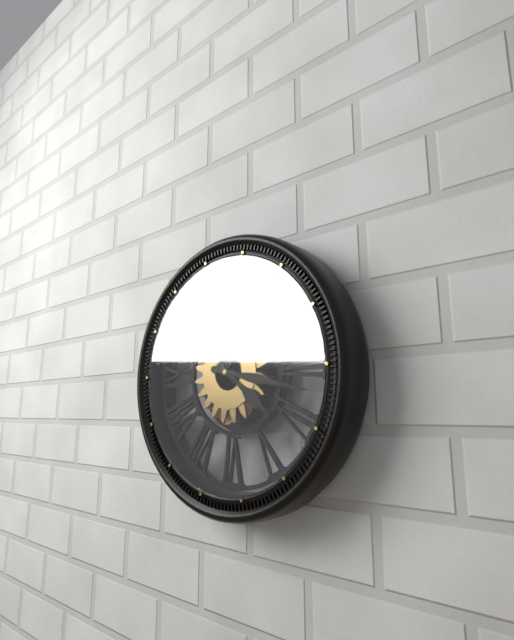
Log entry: 4,17
